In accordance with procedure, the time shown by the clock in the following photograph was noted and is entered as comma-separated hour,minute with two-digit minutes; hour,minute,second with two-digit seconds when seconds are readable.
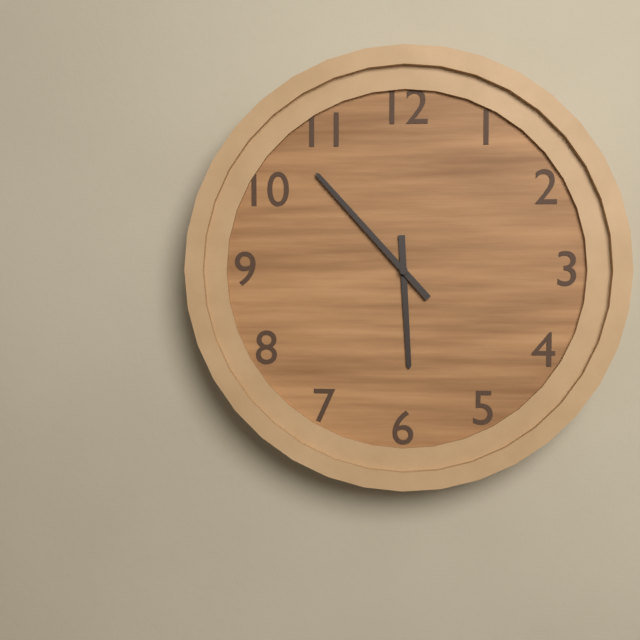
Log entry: 5,53
